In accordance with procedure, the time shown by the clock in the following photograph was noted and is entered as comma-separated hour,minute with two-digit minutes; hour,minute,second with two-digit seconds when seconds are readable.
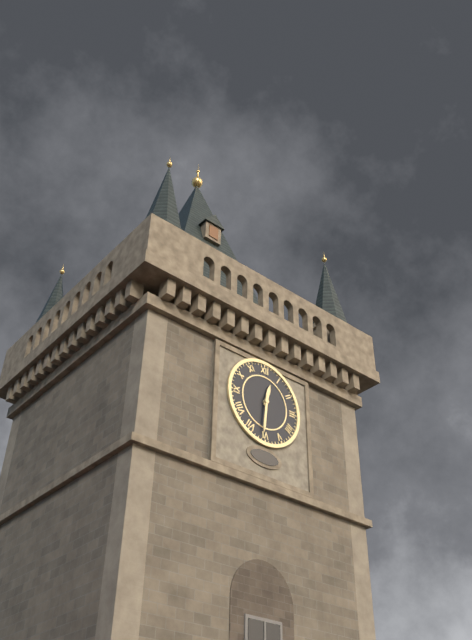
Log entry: 12,31
